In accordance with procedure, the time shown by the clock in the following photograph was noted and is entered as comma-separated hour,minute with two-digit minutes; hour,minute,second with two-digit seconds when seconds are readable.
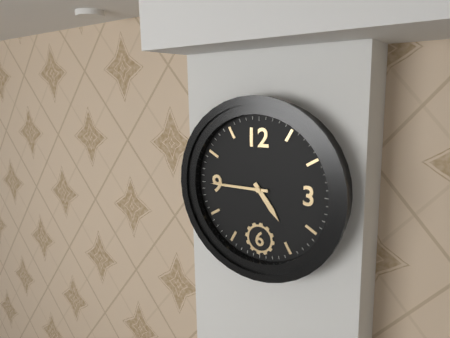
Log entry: 4,45
